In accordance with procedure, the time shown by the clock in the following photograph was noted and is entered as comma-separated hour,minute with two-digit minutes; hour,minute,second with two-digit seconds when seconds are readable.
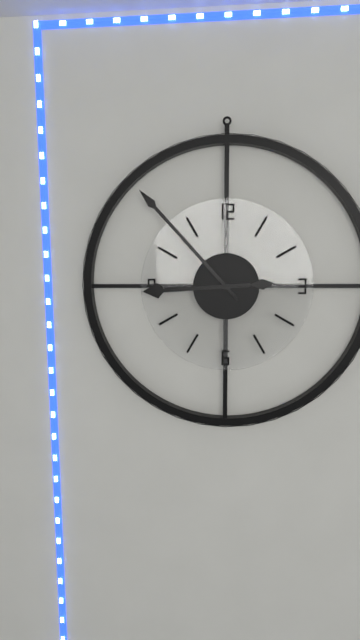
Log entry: 8,53
